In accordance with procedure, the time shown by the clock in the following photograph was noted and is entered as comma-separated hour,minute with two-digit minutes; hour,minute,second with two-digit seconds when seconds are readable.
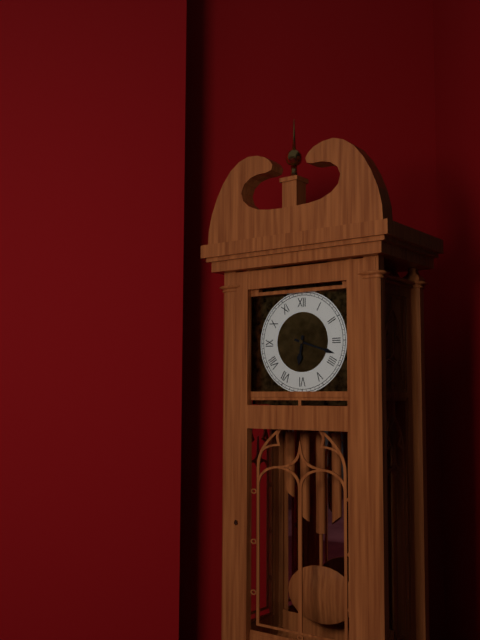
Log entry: 6,18
